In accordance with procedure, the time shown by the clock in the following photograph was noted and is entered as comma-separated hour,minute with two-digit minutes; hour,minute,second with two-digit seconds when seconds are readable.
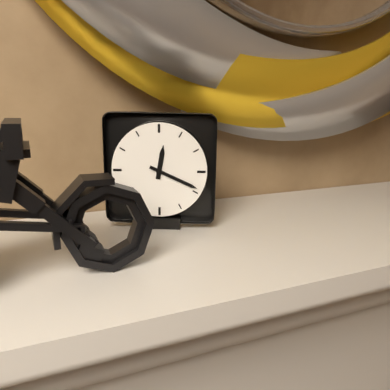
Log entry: 12,19
